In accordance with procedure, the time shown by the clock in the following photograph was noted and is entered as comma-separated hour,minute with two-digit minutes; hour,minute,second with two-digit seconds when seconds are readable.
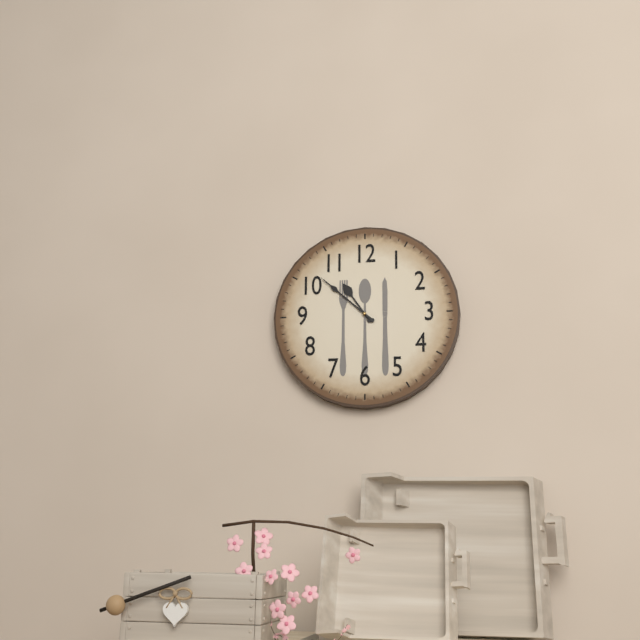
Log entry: 10,52
